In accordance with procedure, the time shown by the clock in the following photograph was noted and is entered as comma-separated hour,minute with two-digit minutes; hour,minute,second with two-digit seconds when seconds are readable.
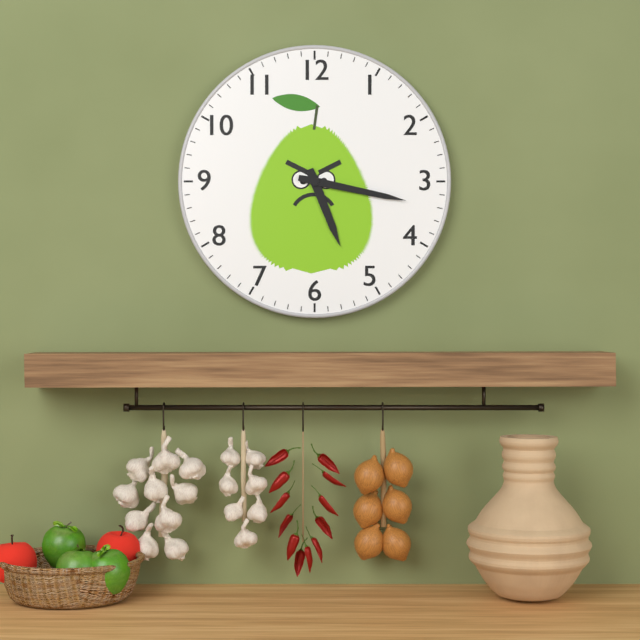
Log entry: 5,17
